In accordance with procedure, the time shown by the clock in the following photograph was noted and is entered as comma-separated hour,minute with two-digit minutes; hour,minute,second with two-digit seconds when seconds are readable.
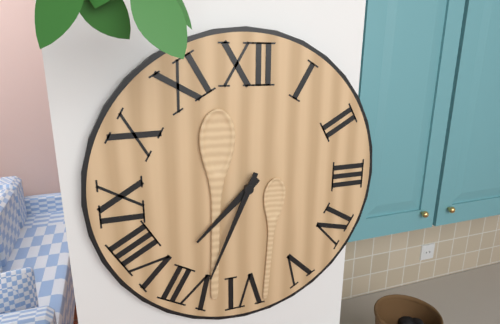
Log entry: 7,34
